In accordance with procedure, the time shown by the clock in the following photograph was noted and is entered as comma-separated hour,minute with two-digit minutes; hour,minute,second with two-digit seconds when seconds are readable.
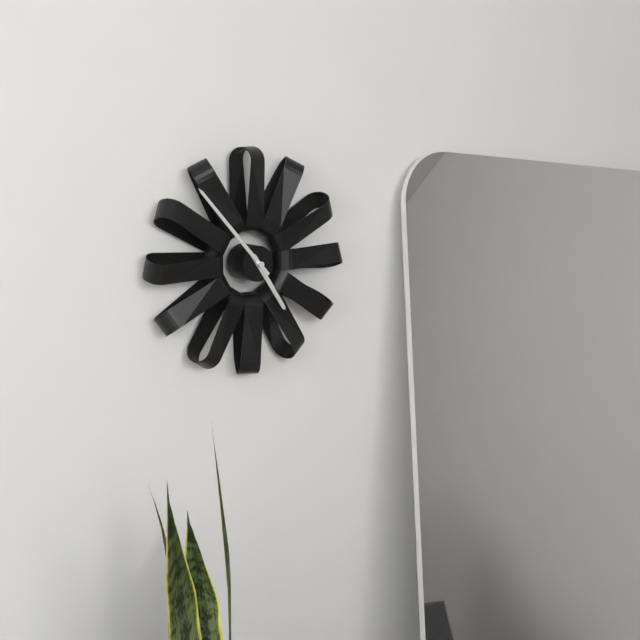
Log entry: 4,53
